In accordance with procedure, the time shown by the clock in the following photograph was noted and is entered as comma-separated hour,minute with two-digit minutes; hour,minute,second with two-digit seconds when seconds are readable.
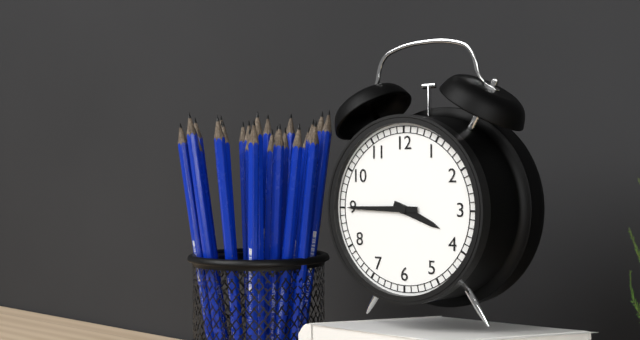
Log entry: 3,45
